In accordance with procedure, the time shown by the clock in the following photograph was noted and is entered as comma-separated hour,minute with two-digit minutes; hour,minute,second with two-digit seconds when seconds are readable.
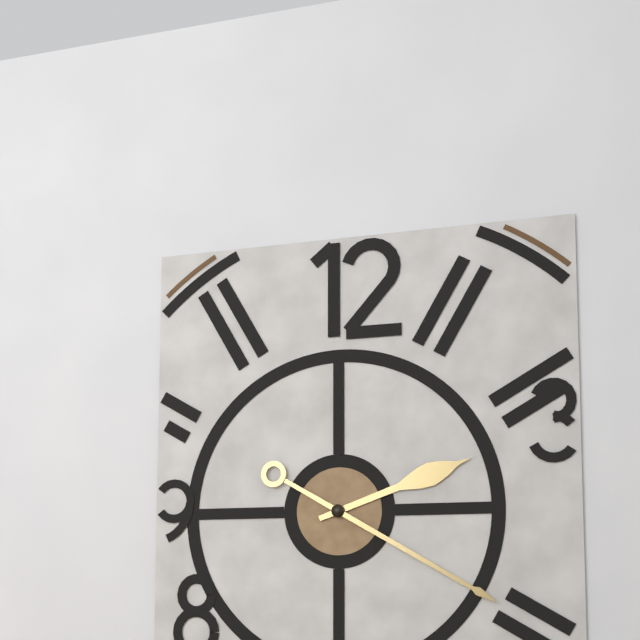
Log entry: 2,20
